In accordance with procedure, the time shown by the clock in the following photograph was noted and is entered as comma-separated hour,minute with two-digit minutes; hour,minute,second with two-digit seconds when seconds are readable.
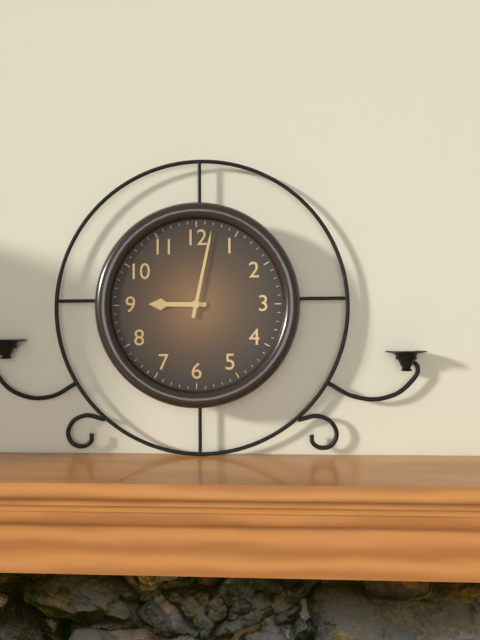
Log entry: 9,02
